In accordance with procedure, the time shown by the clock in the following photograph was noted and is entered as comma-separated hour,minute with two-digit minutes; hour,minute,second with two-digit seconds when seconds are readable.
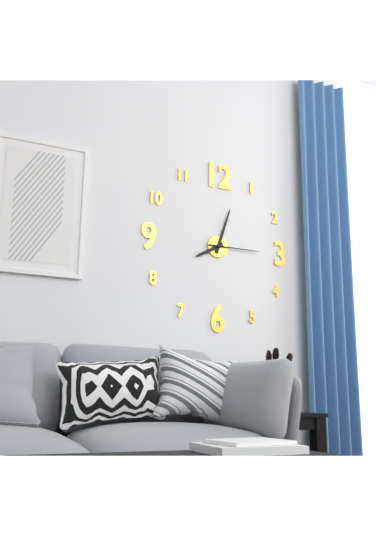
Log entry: 8,03,15
